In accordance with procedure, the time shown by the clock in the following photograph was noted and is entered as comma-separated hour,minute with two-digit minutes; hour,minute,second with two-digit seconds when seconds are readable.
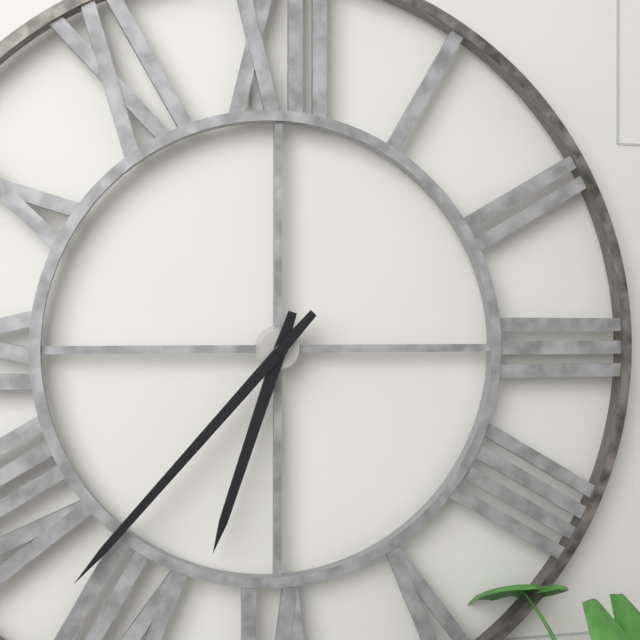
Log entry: 6,37
